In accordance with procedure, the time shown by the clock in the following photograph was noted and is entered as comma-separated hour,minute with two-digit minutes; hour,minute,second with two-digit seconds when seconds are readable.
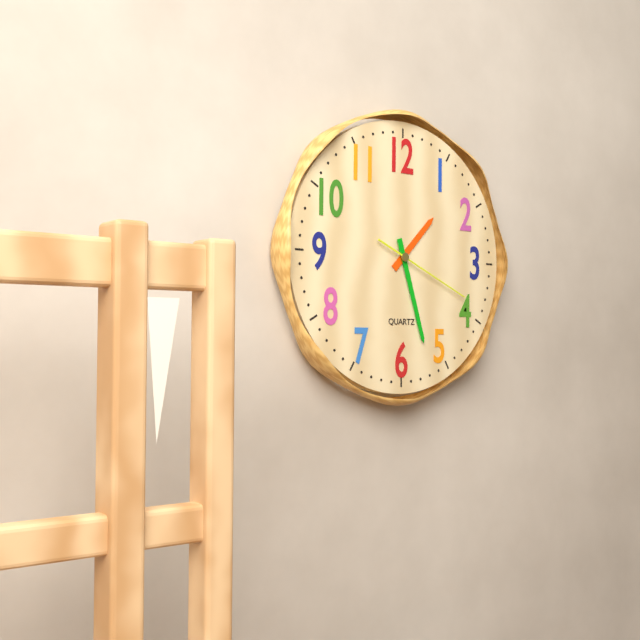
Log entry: 1,27,19
